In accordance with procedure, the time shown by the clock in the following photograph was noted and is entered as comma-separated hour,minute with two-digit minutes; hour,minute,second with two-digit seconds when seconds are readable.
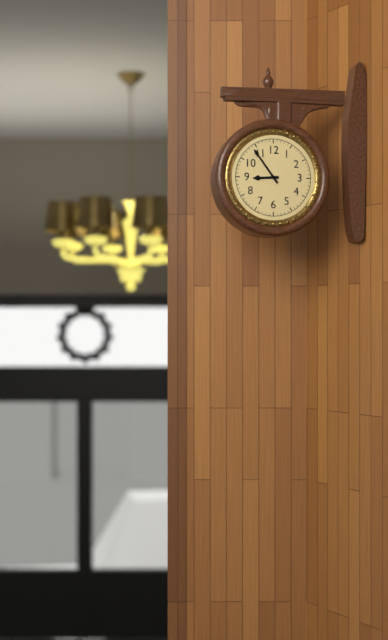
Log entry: 8,54
